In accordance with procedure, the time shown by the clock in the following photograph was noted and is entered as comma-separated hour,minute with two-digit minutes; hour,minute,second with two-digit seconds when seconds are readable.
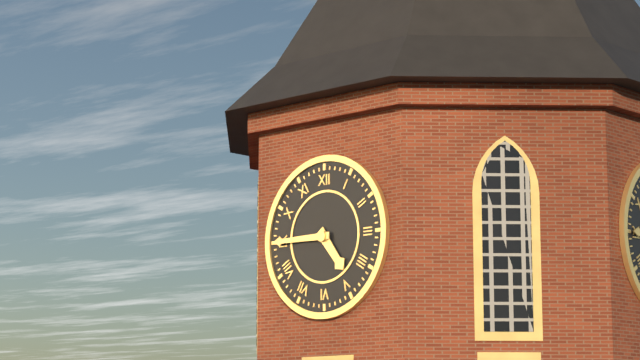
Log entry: 4,45
